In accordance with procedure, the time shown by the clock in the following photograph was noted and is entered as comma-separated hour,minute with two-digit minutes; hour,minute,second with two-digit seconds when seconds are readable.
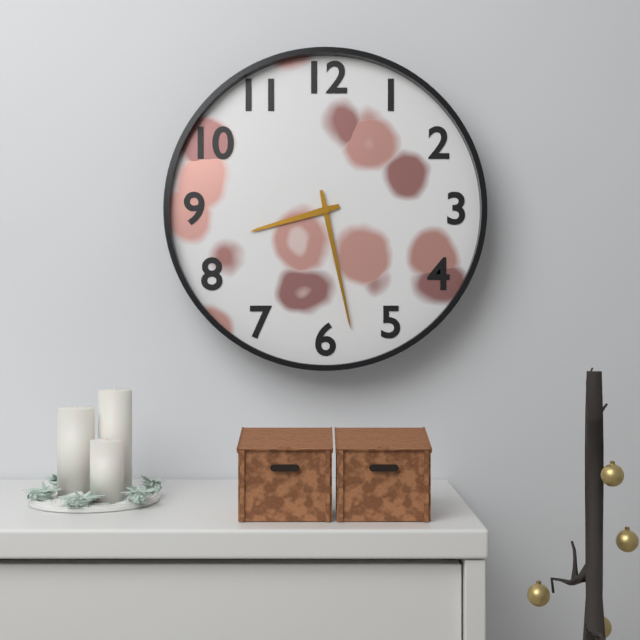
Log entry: 8,28
